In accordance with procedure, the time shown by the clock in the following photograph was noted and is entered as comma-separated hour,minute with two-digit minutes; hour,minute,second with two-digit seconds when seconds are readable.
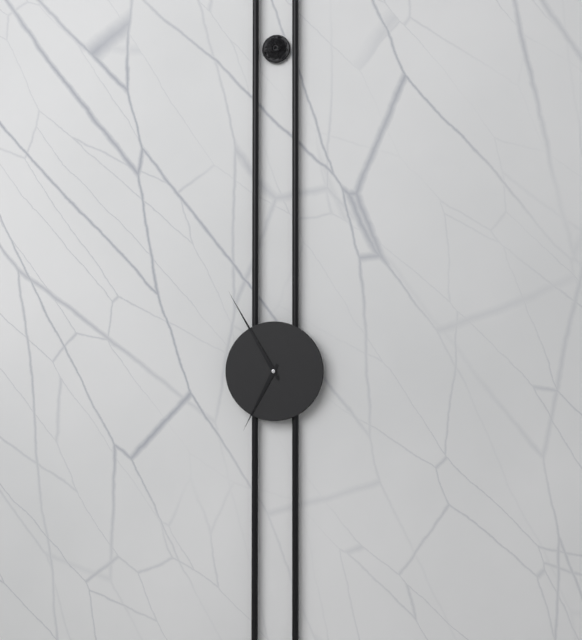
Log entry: 6,55
